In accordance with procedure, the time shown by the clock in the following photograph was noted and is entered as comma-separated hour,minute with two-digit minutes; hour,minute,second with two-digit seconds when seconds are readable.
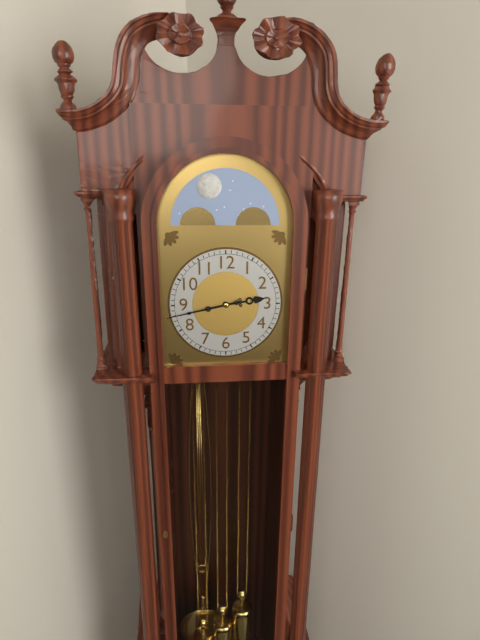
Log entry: 2,43
